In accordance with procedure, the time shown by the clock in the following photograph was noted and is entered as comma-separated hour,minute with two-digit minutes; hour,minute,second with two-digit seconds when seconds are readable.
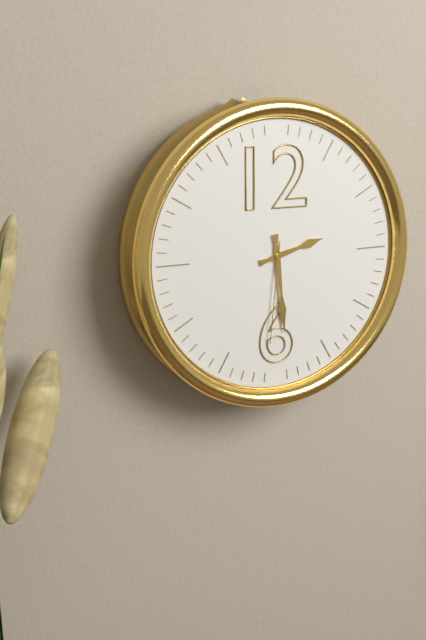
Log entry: 2,29,31
